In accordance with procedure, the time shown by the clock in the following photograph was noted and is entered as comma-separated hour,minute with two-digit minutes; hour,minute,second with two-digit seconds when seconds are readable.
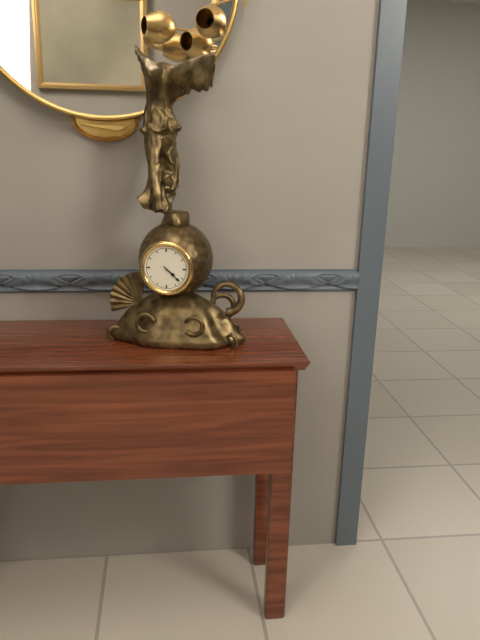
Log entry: 4,22
